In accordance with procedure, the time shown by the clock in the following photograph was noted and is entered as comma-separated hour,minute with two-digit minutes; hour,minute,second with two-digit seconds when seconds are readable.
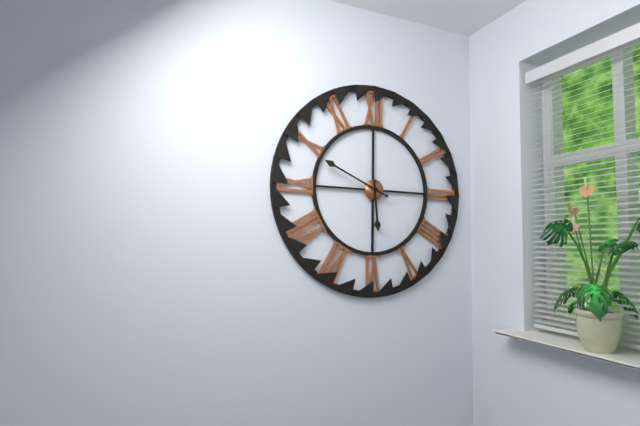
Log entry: 5,49
